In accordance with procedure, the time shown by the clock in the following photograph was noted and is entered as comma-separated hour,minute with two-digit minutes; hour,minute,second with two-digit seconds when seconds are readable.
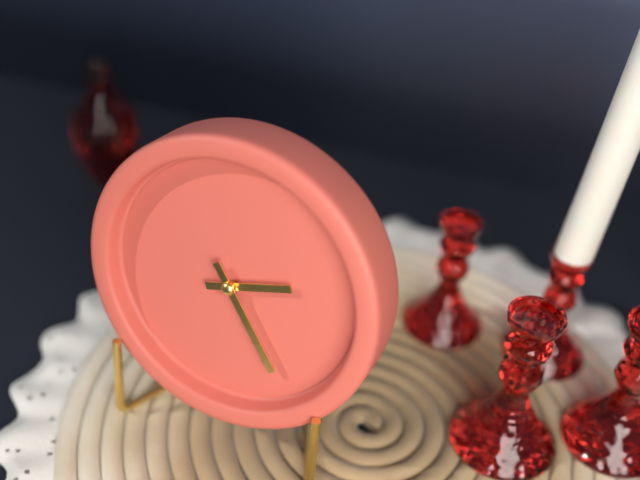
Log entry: 2,24
